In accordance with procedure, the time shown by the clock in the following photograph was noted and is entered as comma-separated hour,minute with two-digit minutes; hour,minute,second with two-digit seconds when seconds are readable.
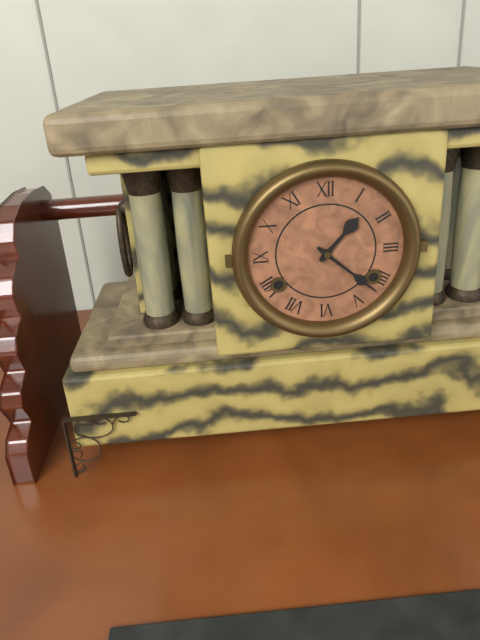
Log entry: 1,22
